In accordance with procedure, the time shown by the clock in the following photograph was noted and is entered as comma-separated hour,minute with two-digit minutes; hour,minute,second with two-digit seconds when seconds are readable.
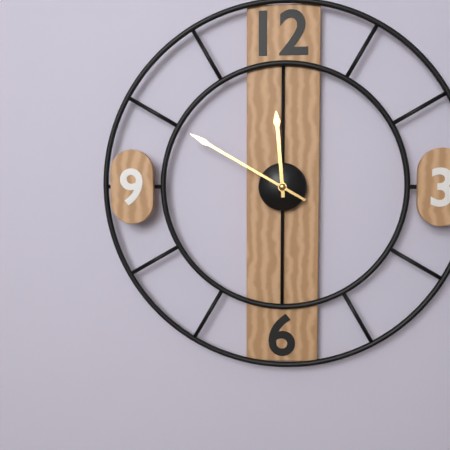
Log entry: 11,50
